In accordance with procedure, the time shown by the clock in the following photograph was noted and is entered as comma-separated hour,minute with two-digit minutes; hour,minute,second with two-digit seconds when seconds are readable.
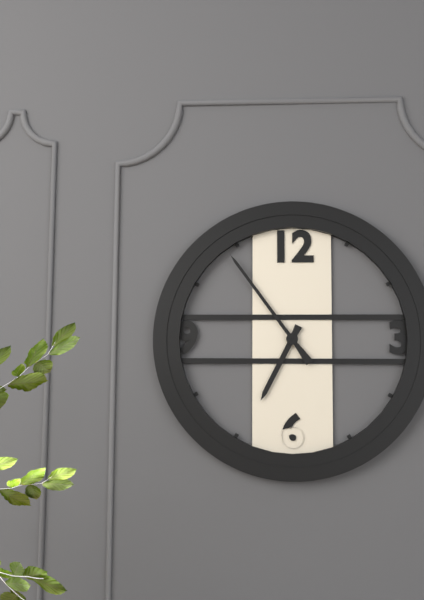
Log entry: 6,54
